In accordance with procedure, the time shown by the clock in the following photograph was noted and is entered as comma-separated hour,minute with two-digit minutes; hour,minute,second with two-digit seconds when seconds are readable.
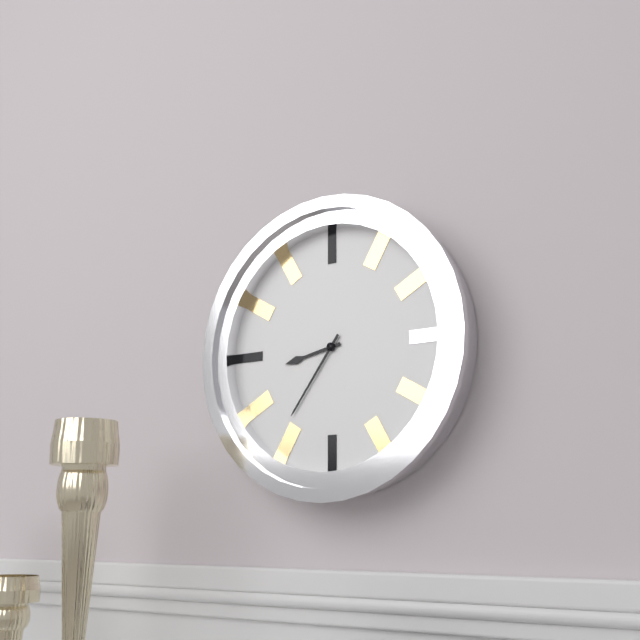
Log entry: 8,36
